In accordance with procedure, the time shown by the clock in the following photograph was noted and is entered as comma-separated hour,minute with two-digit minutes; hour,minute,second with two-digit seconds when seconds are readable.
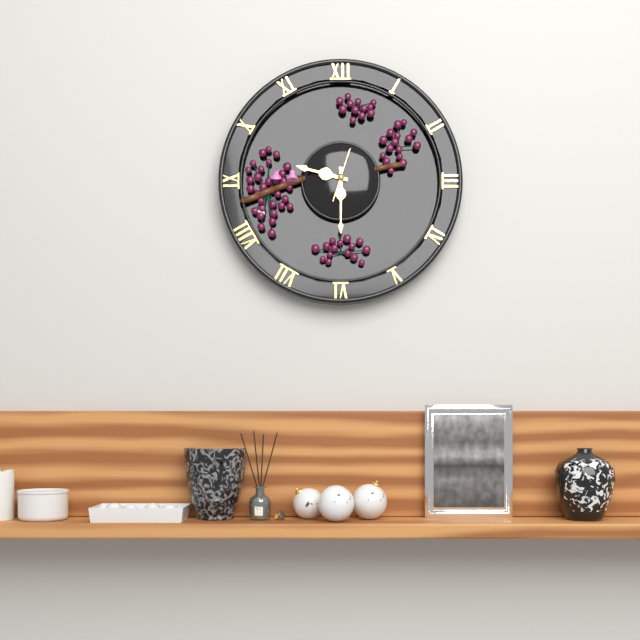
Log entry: 9,30
